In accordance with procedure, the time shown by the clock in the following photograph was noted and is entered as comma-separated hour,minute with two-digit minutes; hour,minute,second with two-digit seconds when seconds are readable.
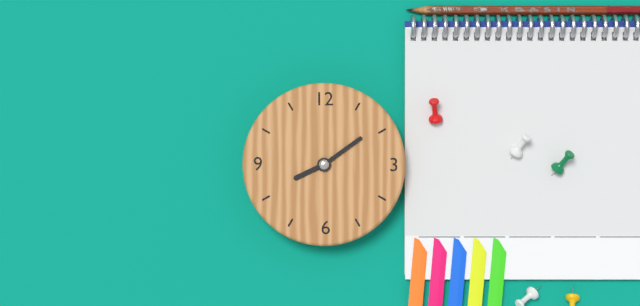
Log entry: 8,09
